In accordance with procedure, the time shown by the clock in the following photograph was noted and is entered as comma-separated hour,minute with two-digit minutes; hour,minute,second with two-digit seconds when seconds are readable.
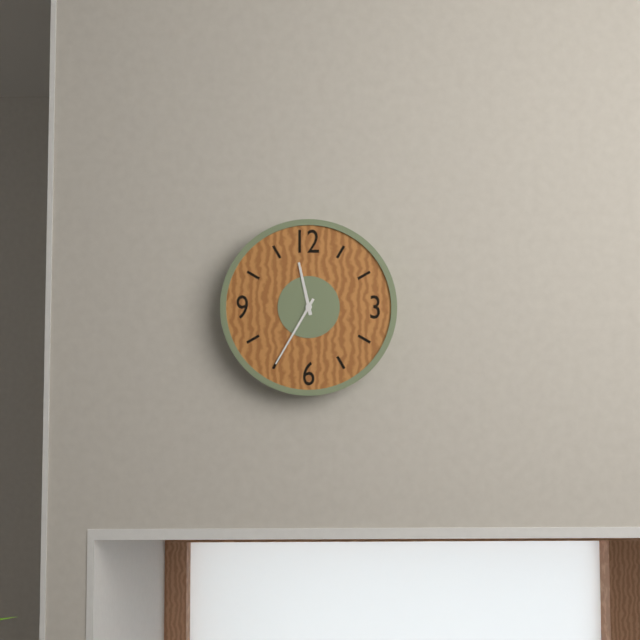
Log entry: 11,35
